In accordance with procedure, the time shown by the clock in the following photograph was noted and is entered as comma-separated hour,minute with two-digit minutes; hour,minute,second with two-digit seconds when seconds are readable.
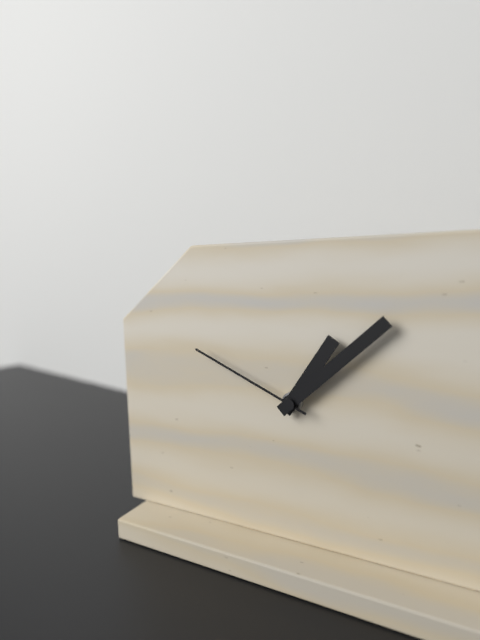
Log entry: 1,08,49
